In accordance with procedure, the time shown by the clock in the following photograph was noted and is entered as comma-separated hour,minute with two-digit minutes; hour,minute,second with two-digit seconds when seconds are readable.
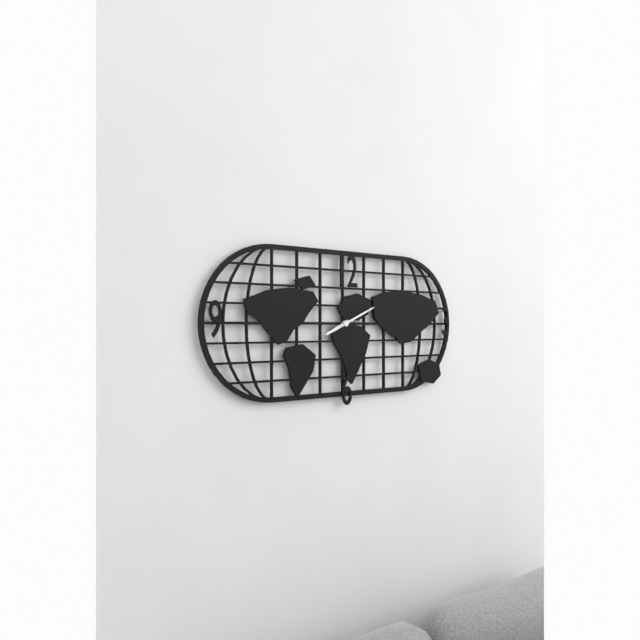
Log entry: 8,11
